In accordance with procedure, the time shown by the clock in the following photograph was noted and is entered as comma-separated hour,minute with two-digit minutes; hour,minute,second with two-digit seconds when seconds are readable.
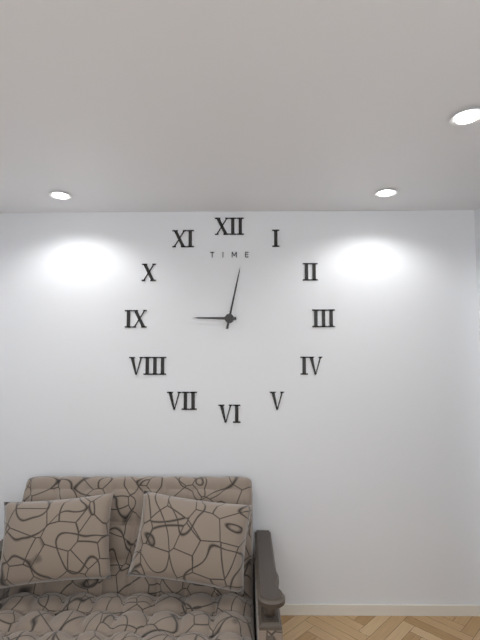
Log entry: 9,02
